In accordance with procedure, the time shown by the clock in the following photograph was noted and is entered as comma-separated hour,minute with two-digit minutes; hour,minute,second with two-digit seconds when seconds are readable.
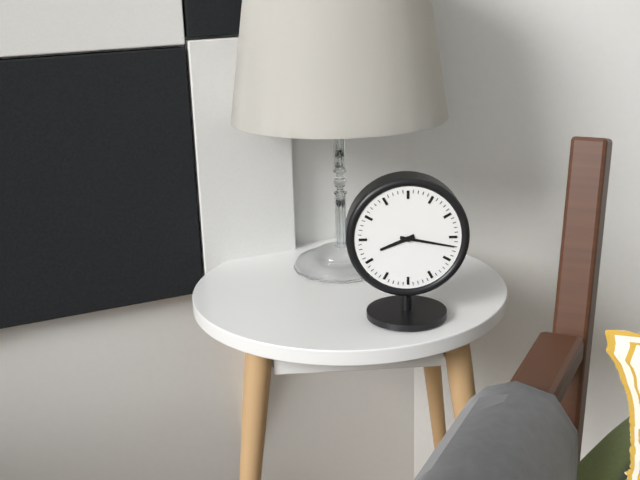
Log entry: 8,17
